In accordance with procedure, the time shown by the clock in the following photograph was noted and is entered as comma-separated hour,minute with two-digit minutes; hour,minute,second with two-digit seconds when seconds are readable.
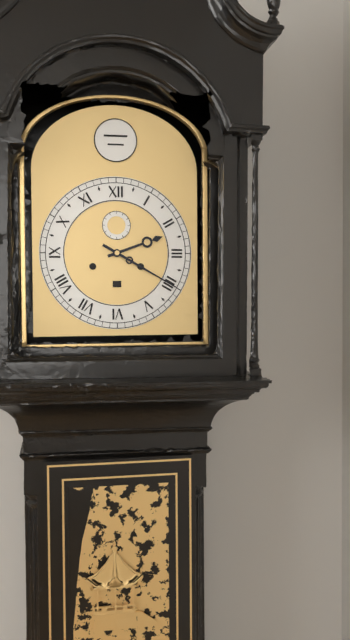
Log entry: 2,20
